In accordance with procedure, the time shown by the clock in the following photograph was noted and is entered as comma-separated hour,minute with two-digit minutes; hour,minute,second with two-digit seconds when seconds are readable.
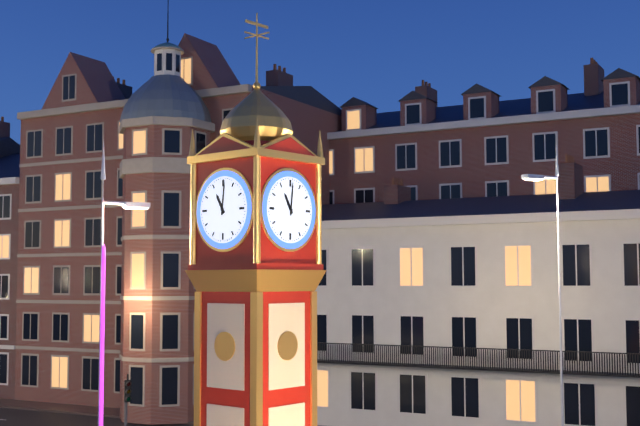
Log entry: 11,01
